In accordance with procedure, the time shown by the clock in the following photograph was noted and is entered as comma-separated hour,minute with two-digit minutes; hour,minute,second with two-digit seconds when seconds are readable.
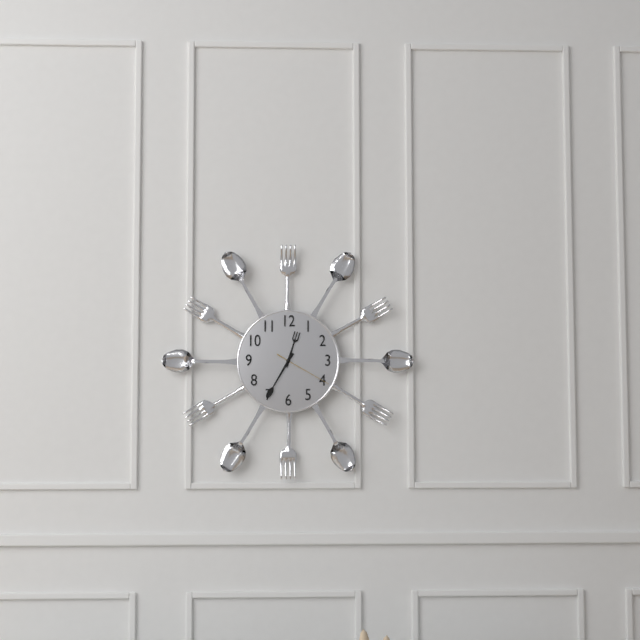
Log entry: 12,35,20
